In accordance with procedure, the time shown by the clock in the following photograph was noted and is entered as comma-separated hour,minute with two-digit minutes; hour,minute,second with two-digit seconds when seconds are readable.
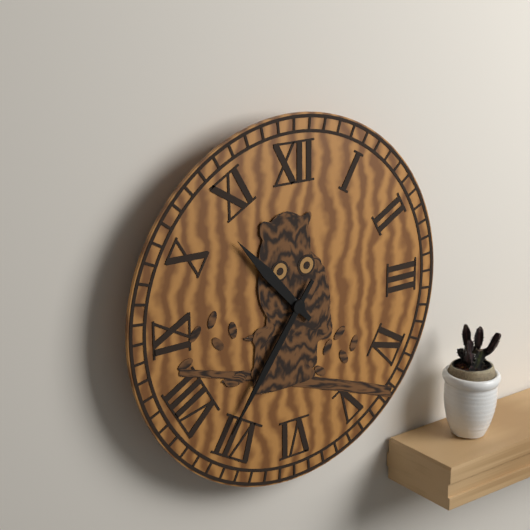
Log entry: 10,36
